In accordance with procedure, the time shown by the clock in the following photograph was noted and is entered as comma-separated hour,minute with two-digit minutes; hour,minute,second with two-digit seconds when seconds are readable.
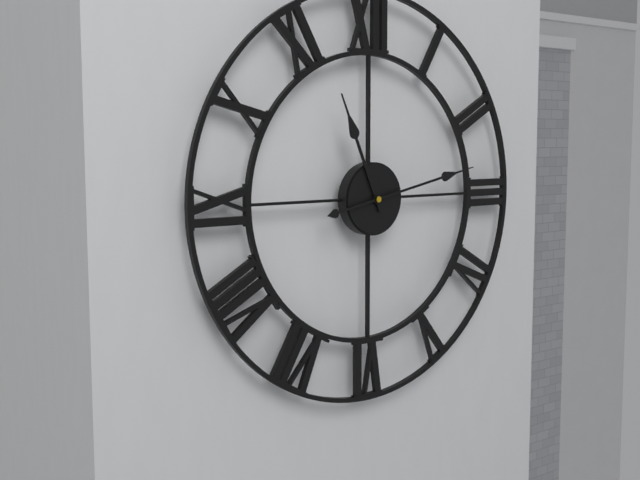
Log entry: 11,13
